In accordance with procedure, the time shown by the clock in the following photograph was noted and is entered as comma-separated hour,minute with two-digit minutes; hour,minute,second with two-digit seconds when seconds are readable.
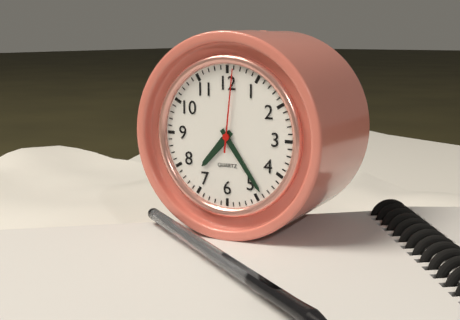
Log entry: 7,24,01
